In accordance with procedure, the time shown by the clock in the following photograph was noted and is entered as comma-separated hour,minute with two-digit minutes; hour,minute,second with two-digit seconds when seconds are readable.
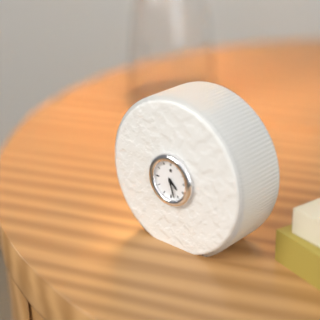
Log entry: 4,27
